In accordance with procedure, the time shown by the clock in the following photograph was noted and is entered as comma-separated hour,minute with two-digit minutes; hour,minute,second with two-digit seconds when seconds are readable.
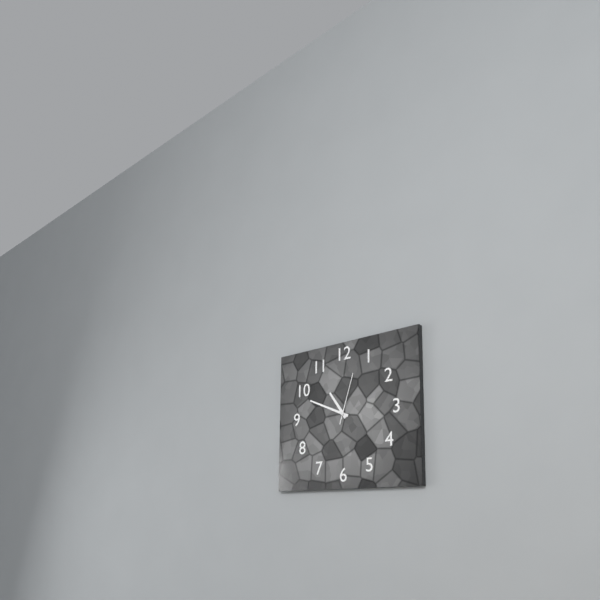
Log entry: 10,49,03
